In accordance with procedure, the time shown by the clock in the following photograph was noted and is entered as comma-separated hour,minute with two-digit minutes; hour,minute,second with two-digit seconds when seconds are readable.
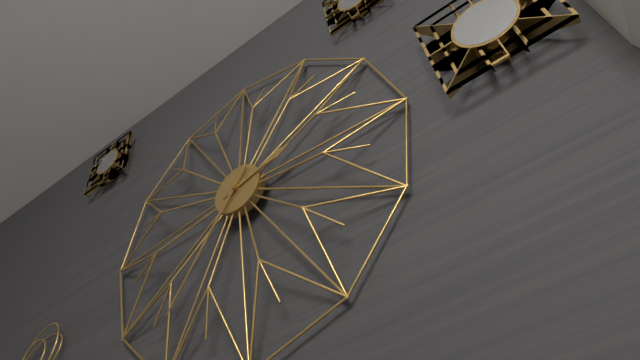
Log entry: 2,36
